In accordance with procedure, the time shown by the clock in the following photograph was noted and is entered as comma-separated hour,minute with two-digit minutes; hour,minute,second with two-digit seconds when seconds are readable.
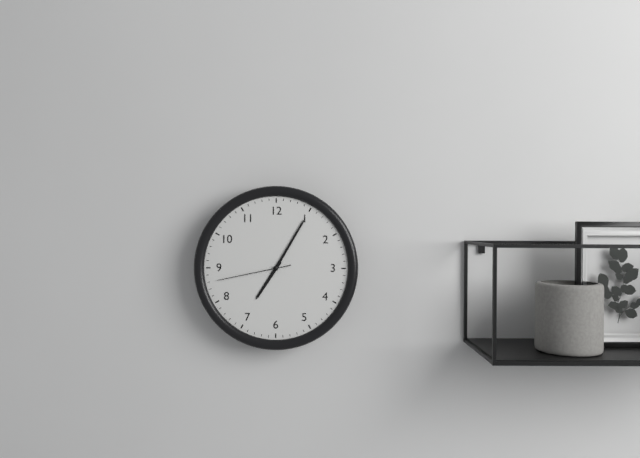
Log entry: 7,05,43
